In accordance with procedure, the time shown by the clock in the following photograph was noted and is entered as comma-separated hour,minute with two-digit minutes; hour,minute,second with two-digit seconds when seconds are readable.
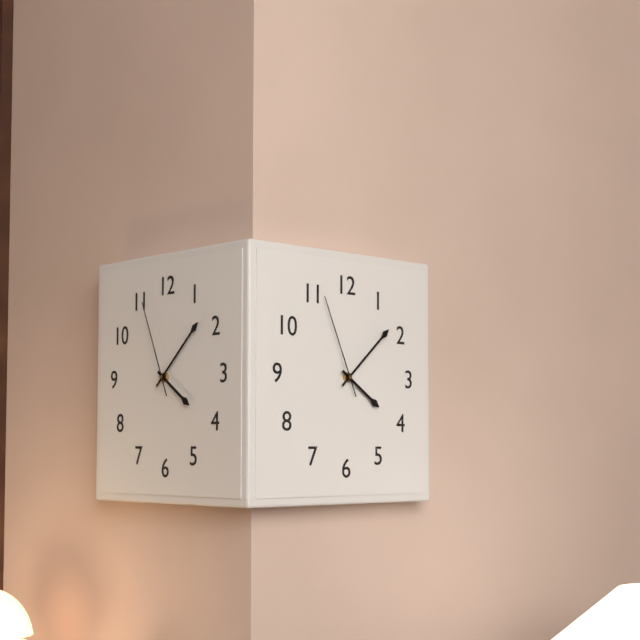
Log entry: 4,08,56
